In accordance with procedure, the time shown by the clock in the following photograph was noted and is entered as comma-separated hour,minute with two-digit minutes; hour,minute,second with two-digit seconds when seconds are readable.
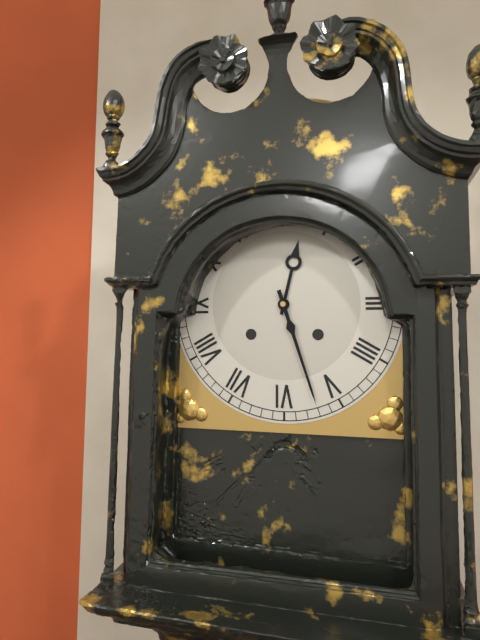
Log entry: 12,27
